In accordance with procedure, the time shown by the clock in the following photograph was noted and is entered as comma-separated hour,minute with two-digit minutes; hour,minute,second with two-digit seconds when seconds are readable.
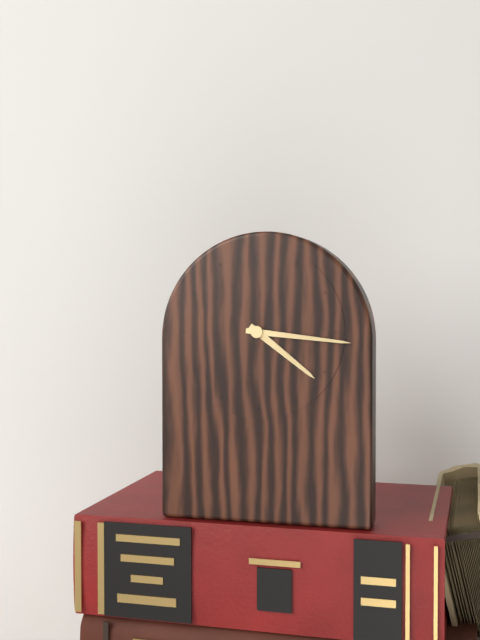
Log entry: 4,16
